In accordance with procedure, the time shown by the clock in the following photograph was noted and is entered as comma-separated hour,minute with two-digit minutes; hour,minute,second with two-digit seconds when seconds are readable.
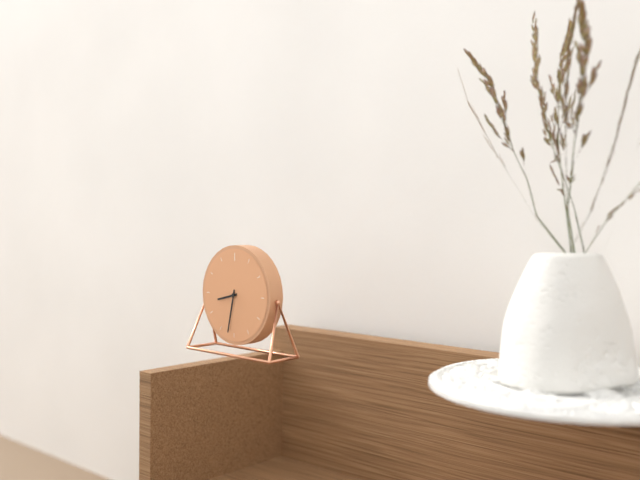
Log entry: 8,32
